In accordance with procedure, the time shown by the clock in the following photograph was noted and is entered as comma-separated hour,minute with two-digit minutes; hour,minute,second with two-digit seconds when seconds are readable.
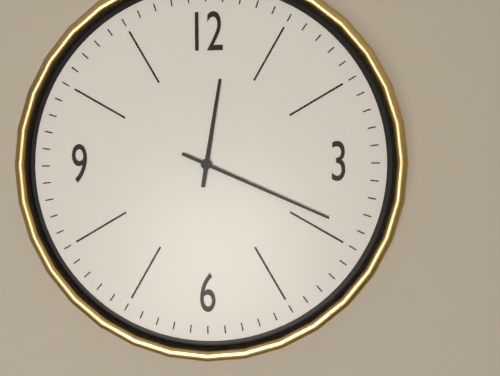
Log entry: 12,19
